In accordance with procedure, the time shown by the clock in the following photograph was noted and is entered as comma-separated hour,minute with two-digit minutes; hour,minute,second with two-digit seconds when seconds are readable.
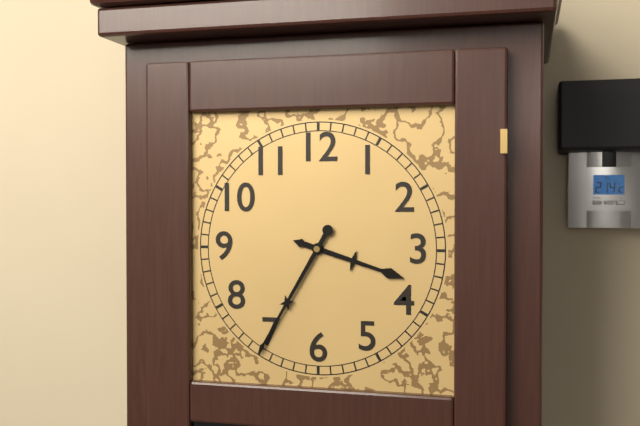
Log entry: 3,35
